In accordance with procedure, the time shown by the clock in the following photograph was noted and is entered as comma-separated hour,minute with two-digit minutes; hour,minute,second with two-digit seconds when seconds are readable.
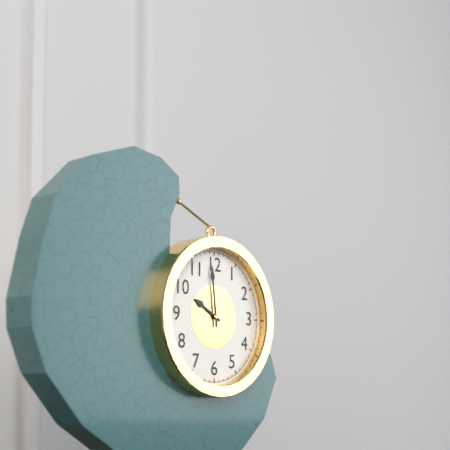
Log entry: 9,59
